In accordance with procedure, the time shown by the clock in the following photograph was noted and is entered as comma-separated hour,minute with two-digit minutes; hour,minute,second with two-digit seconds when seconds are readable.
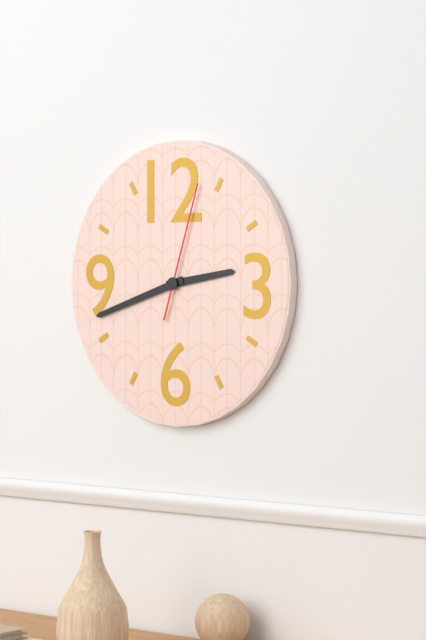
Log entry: 2,42,03
